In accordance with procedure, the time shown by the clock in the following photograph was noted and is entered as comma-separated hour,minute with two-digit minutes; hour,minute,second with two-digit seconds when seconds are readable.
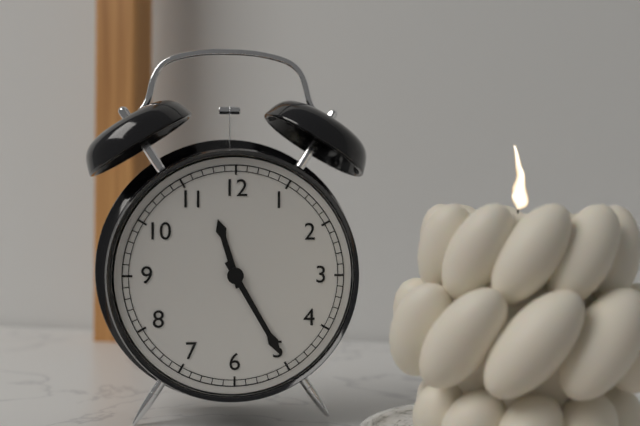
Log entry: 11,25
